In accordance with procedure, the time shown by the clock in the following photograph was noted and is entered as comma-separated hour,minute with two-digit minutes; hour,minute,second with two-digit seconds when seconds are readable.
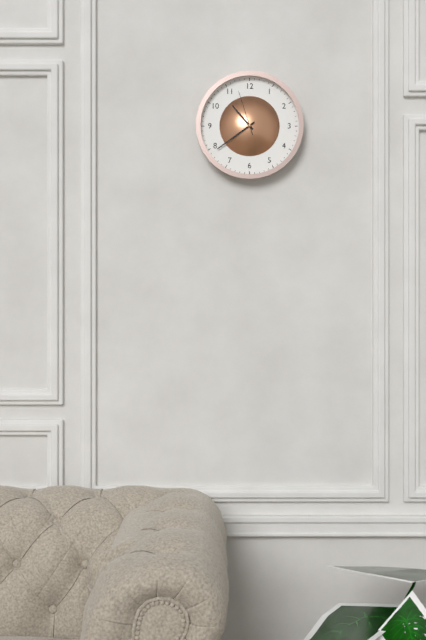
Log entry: 10,39
